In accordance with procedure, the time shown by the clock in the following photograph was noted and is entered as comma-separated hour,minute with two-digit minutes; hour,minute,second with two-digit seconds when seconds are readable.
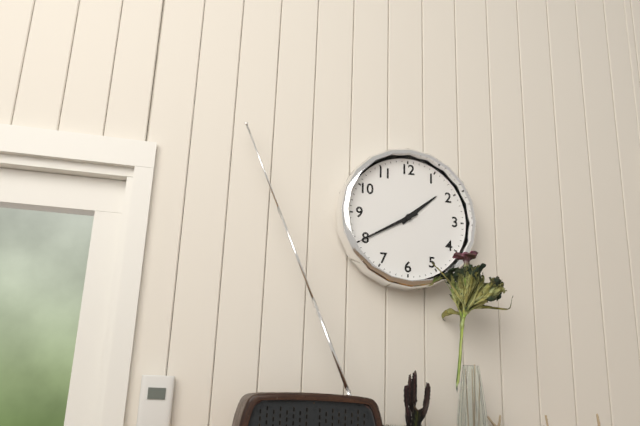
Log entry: 1,40
